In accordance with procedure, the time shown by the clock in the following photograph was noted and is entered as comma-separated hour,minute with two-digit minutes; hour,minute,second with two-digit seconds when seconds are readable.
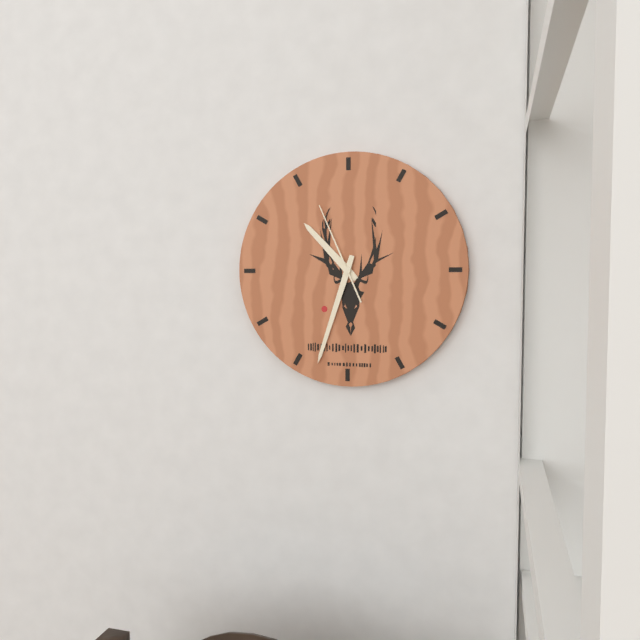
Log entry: 10,33,56
